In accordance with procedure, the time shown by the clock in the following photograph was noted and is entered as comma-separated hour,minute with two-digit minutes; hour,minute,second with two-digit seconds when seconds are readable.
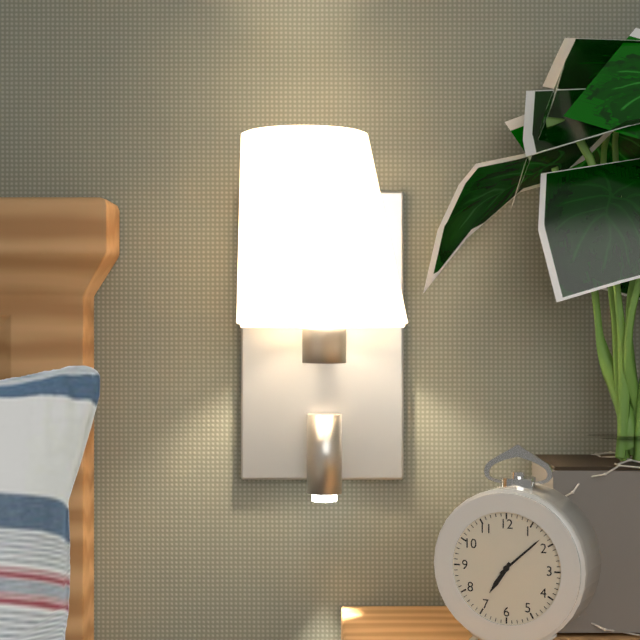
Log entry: 7,08
